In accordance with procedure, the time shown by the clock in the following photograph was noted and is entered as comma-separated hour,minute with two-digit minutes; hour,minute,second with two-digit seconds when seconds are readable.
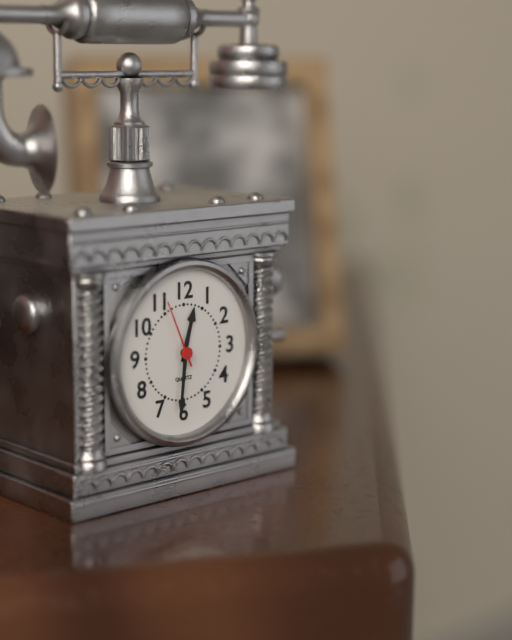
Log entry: 12,31,56
